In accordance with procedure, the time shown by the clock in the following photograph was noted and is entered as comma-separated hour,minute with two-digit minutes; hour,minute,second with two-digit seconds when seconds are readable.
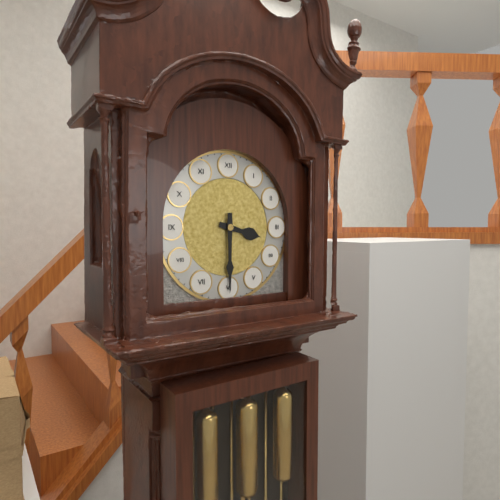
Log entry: 3,30
